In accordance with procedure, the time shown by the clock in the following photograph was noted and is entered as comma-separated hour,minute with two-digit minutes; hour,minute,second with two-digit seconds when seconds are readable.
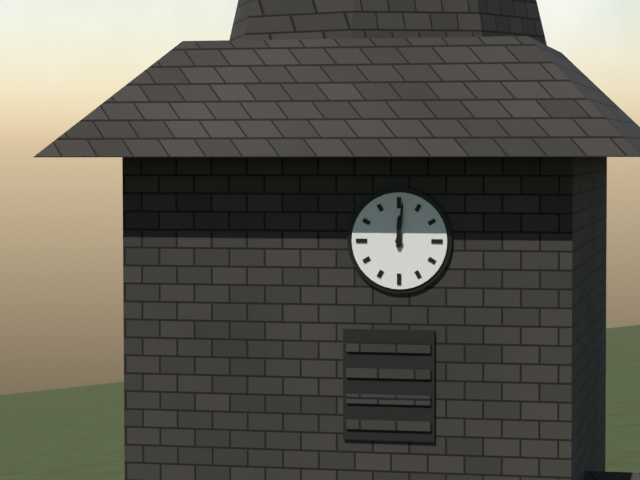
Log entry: 12,01
